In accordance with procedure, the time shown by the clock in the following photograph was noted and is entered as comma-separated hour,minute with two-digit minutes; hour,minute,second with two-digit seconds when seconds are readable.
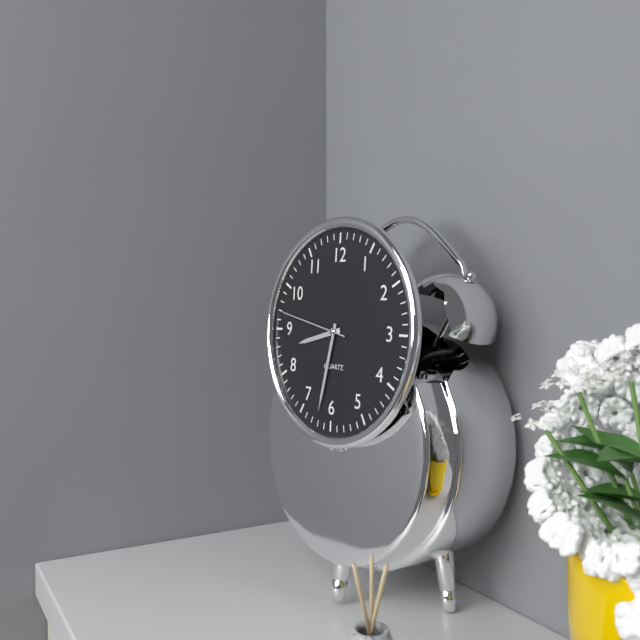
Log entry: 8,32,47
